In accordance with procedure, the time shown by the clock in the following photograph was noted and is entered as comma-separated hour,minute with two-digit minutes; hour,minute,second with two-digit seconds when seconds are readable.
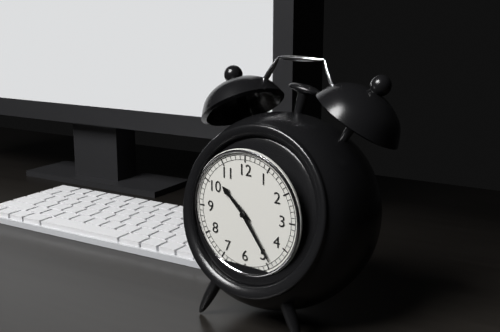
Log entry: 10,24
